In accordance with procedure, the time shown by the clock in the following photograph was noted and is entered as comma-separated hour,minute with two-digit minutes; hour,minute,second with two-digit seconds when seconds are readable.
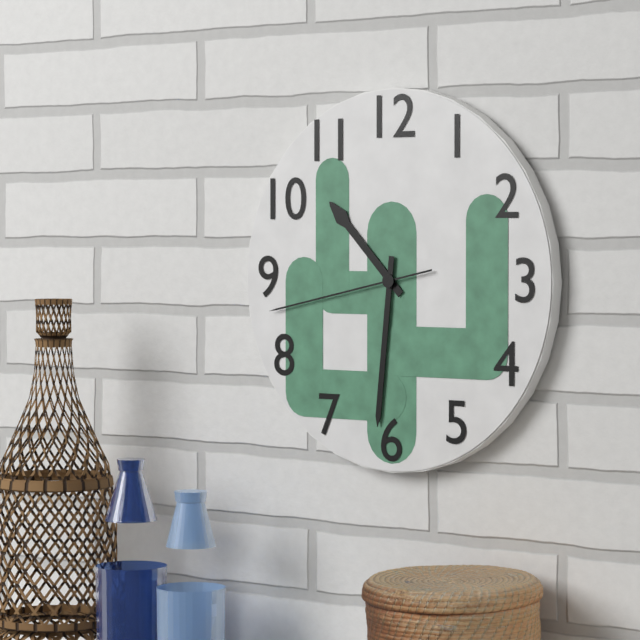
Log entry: 10,31,43
